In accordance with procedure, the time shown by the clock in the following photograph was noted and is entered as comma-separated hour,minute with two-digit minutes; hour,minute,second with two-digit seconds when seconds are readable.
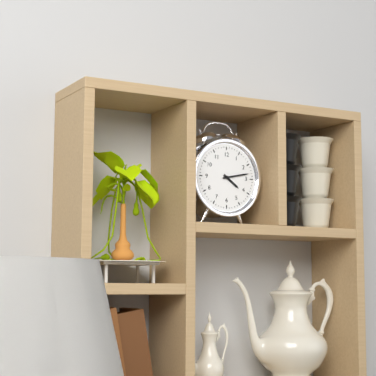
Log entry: 4,13
